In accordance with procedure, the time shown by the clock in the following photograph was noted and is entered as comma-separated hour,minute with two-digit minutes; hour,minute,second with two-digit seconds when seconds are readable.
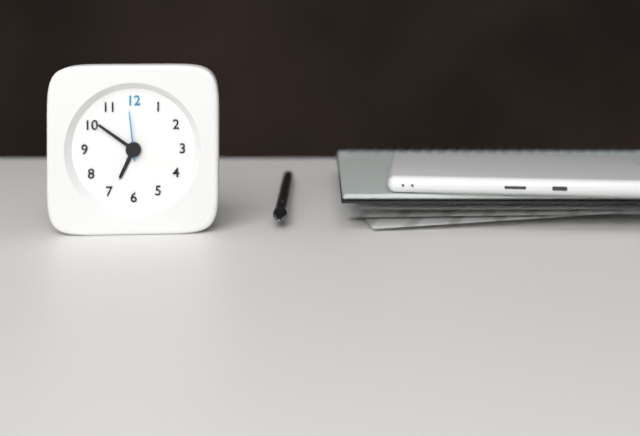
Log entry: 6,51,59
